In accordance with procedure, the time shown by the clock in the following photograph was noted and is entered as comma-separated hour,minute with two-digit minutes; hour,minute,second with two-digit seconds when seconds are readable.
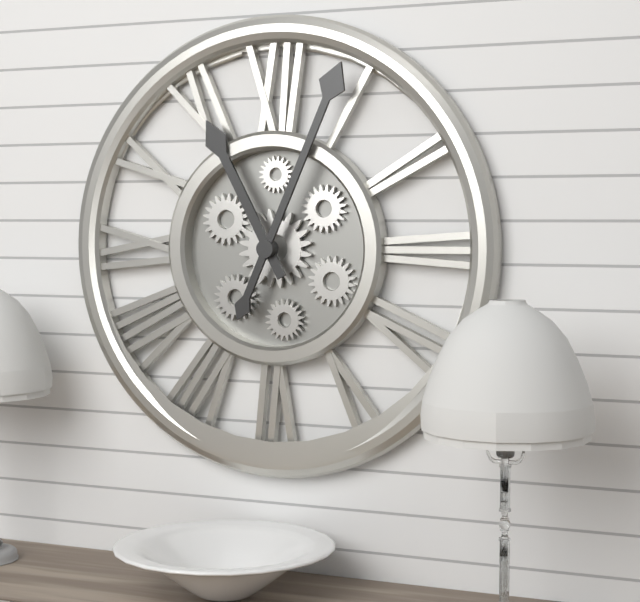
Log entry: 11,04
